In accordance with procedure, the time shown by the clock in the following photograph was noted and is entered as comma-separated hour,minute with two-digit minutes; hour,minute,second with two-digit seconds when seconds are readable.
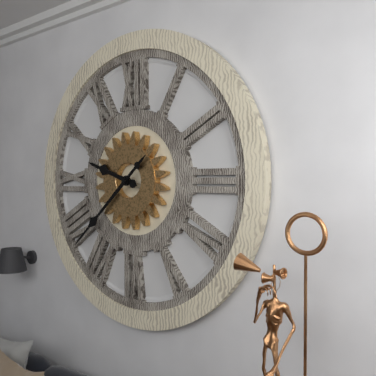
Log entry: 9,38
